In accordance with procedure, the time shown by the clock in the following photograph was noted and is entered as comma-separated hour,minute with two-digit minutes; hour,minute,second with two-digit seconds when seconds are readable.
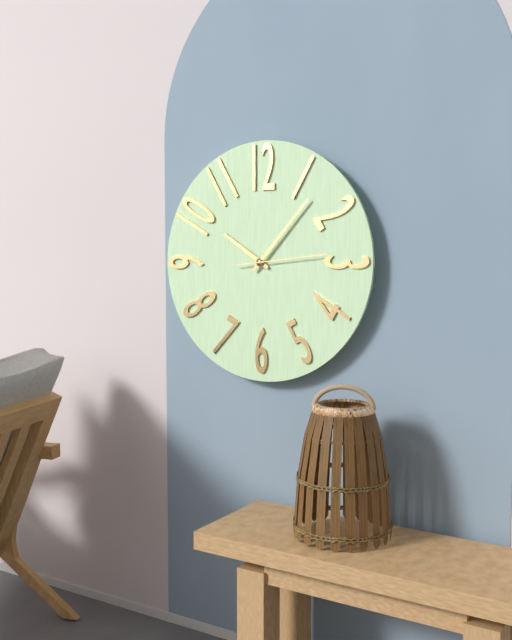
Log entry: 10,07,14
